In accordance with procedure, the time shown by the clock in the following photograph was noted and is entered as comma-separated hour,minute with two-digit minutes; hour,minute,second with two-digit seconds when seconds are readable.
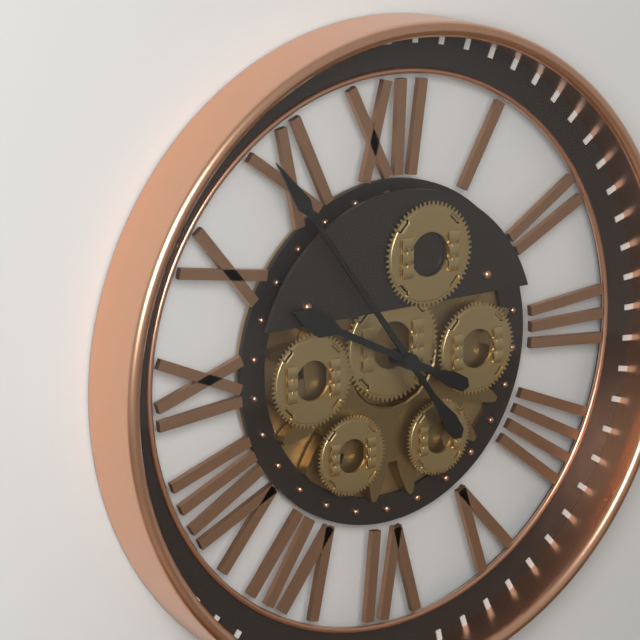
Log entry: 9,54
